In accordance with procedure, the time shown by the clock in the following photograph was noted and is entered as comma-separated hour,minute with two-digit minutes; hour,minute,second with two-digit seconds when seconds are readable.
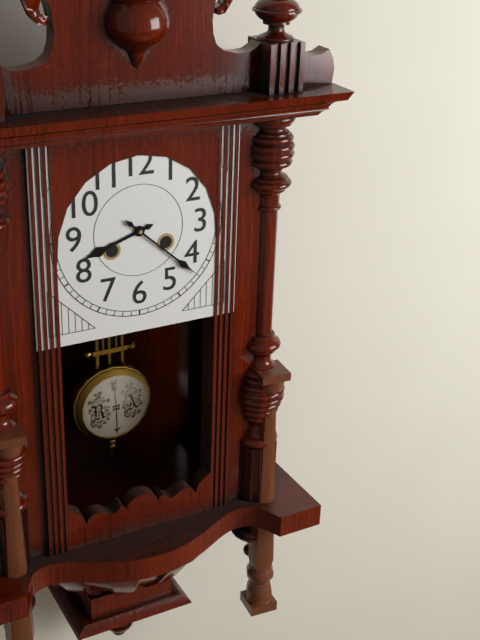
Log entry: 8,22
